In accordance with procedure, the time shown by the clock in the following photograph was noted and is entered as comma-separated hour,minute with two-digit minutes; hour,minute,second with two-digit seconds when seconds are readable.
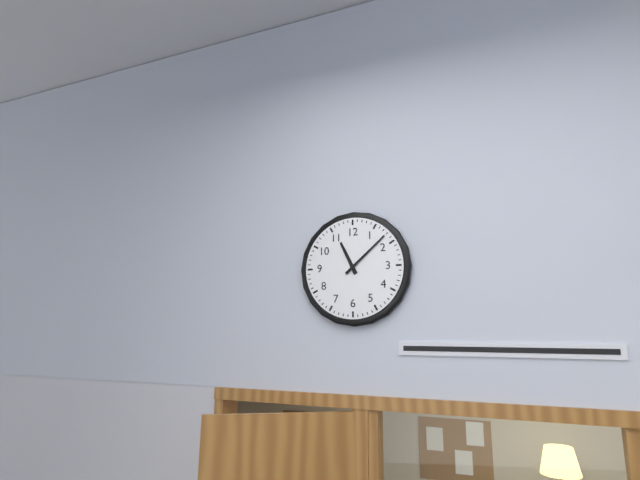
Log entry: 11,08
